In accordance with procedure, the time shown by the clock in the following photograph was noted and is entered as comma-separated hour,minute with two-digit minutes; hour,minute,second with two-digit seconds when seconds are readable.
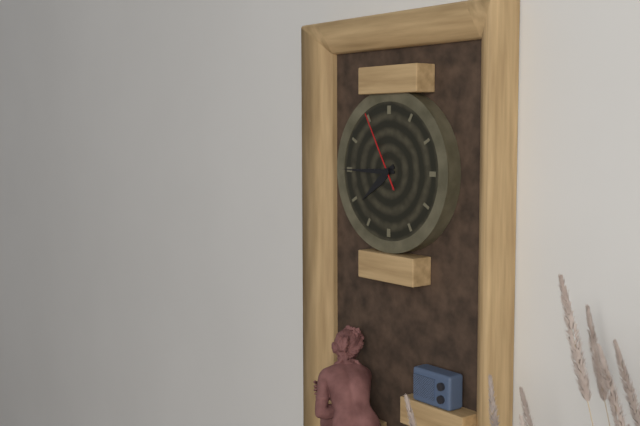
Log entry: 7,45,55
